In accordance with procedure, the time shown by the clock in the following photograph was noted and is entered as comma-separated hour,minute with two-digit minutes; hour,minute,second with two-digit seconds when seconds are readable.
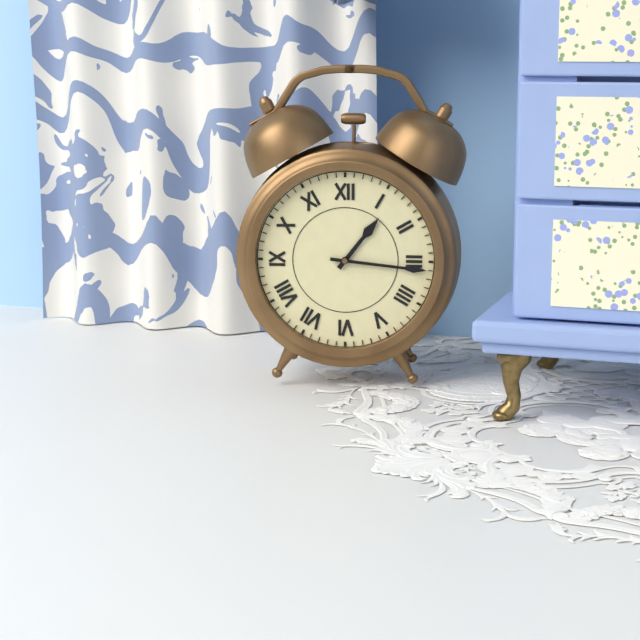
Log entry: 1,16
